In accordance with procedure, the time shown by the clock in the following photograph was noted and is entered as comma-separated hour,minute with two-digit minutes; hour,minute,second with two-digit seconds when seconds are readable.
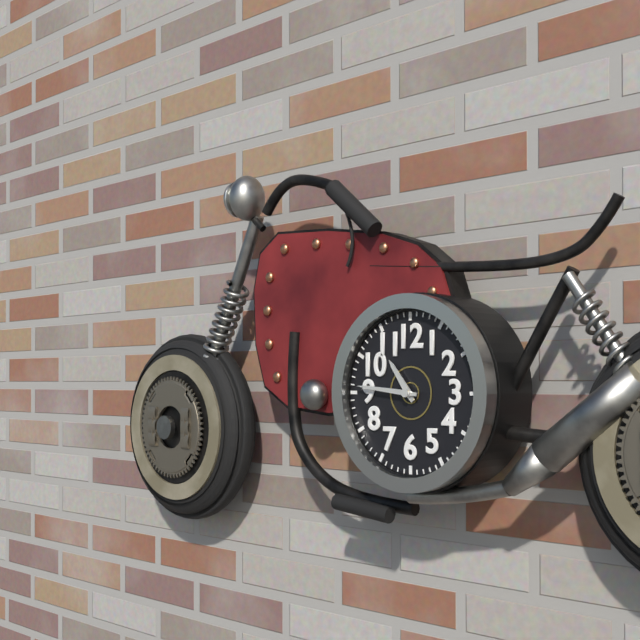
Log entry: 10,46
